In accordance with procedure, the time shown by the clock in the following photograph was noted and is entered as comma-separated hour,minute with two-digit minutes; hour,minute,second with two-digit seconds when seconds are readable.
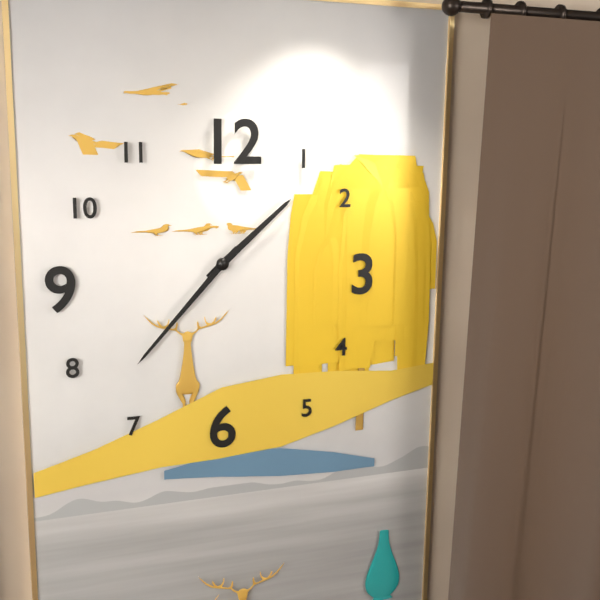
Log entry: 1,37
